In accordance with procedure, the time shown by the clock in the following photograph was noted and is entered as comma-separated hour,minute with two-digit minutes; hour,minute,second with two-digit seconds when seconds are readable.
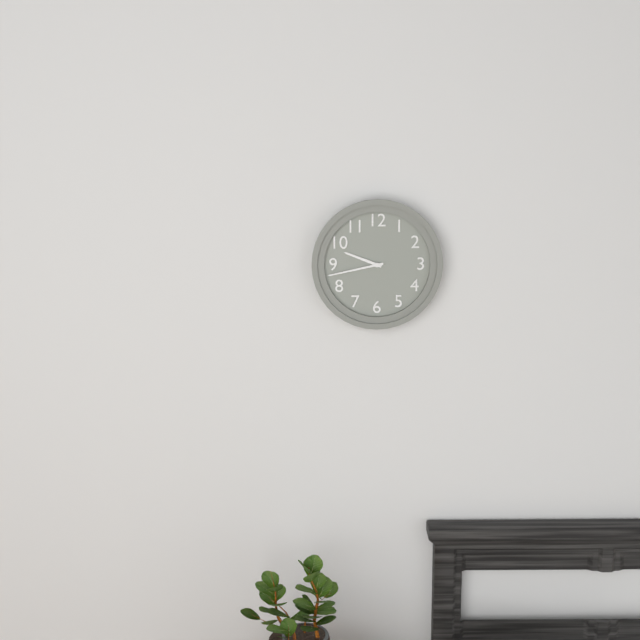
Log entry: 9,43
